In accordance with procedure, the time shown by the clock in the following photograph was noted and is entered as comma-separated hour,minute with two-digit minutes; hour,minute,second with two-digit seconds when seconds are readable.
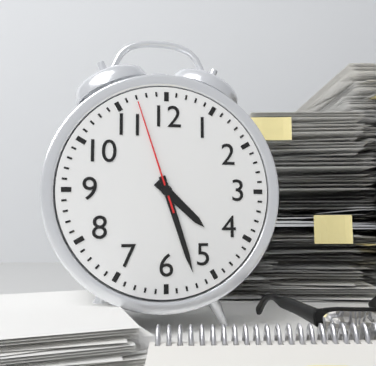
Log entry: 4,27,57
